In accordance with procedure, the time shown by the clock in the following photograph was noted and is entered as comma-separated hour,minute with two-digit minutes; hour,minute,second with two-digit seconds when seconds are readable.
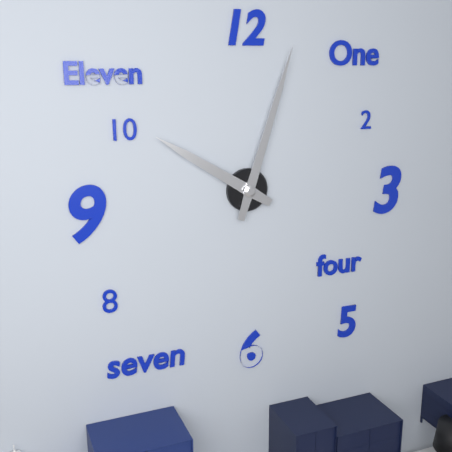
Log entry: 10,03
